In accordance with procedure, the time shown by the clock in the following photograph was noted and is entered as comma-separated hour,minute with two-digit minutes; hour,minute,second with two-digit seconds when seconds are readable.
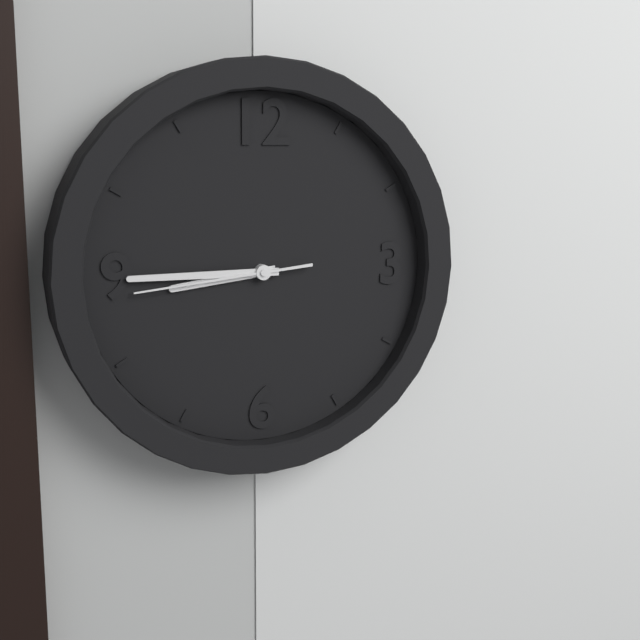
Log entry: 8,45,44
